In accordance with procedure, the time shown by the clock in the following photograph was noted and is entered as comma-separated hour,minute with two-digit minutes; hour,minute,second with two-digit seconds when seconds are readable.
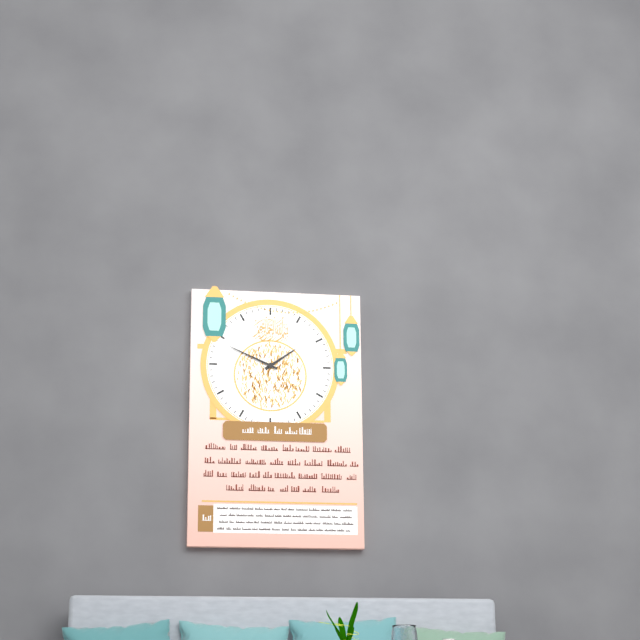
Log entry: 1,49
